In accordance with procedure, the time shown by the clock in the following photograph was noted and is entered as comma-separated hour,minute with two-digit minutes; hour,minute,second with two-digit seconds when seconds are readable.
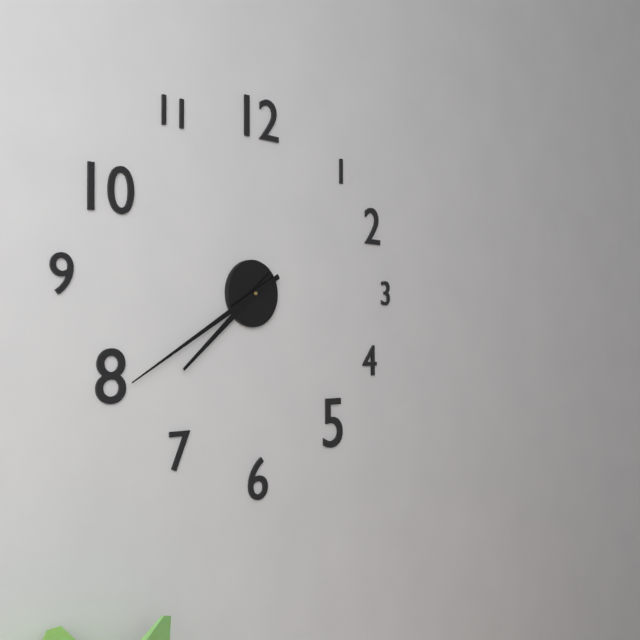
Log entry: 7,40
